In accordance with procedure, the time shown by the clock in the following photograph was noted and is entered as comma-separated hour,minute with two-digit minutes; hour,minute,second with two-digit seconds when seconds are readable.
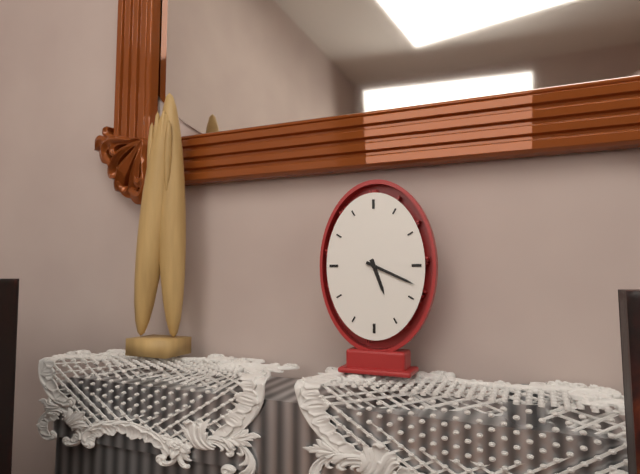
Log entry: 5,19
